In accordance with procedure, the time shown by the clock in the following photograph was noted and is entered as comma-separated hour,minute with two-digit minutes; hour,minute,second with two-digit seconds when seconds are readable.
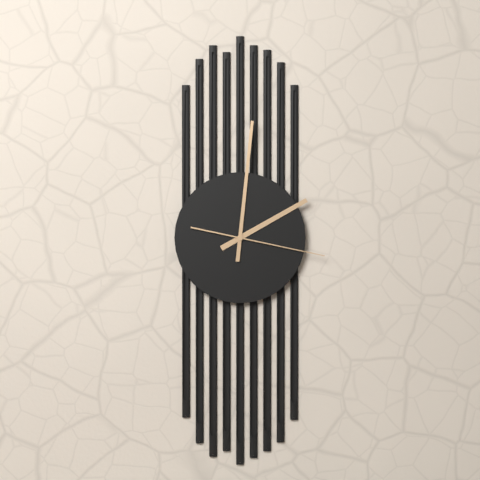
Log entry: 2,01,17
